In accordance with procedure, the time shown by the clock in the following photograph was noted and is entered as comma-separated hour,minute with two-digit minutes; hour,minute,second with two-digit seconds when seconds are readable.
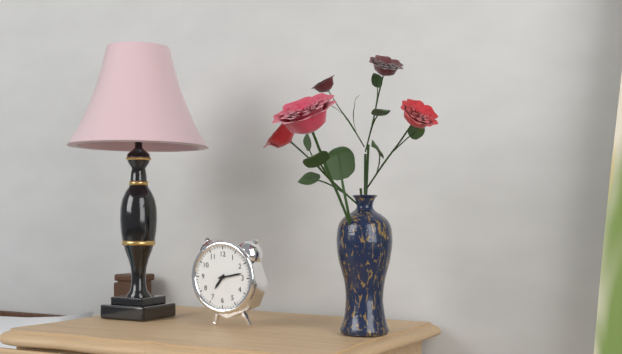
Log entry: 7,13
